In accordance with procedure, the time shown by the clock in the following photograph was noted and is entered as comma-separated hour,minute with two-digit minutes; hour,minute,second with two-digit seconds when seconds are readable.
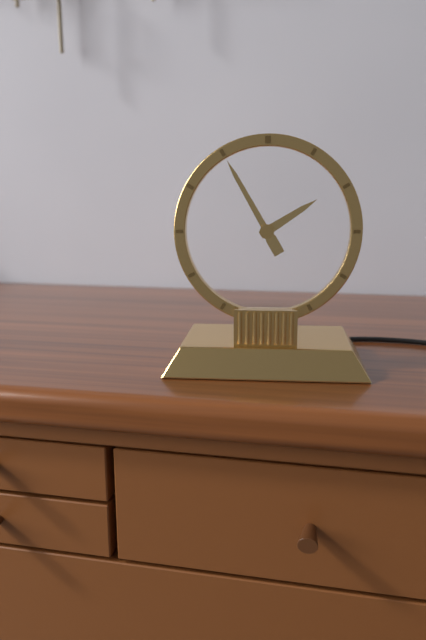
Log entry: 1,55
